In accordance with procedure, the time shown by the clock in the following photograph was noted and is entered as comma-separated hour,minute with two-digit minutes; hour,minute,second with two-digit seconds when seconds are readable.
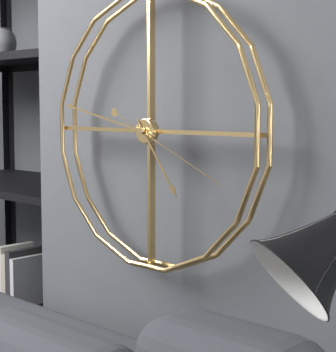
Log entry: 4,47,19
